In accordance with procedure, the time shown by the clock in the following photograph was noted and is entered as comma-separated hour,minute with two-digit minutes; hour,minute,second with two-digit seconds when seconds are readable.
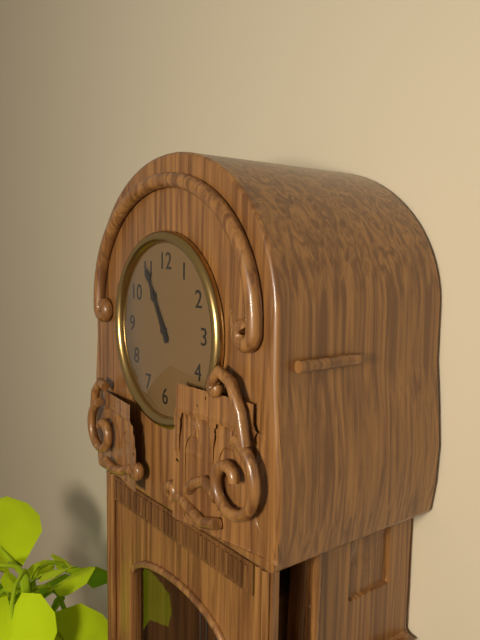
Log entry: 10,55
